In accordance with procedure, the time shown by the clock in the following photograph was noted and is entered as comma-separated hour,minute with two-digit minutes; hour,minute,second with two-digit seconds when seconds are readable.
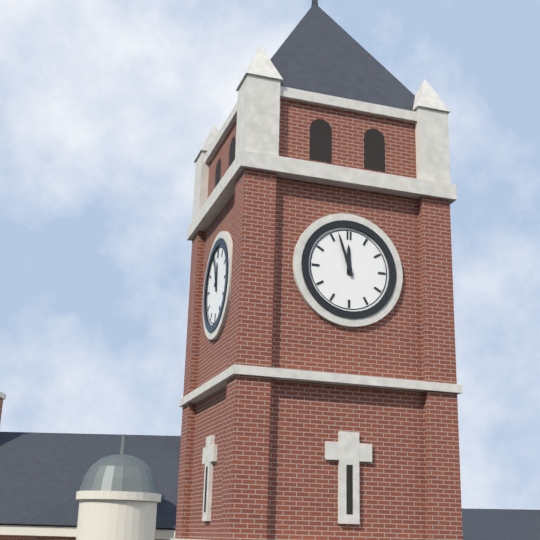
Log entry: 11,57
